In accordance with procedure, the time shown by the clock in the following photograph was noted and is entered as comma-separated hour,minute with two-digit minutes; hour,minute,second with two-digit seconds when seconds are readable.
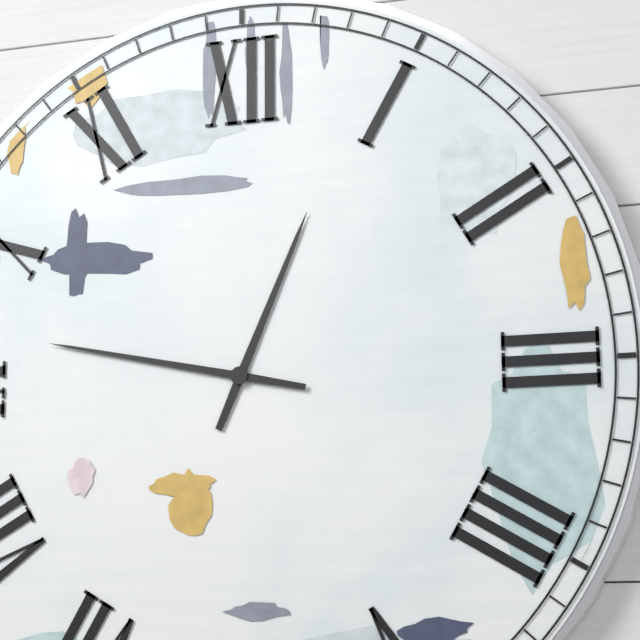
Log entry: 12,47
